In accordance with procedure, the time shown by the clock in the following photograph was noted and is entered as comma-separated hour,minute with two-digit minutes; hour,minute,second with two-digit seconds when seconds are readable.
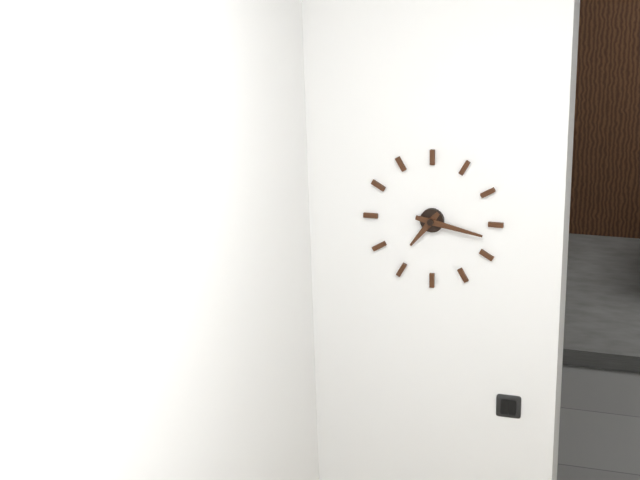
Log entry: 7,17
